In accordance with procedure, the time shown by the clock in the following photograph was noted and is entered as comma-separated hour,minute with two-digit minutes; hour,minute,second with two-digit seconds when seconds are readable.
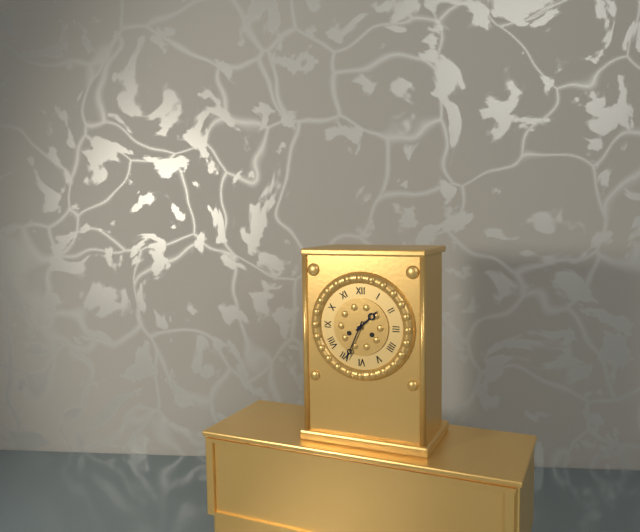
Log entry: 1,34
